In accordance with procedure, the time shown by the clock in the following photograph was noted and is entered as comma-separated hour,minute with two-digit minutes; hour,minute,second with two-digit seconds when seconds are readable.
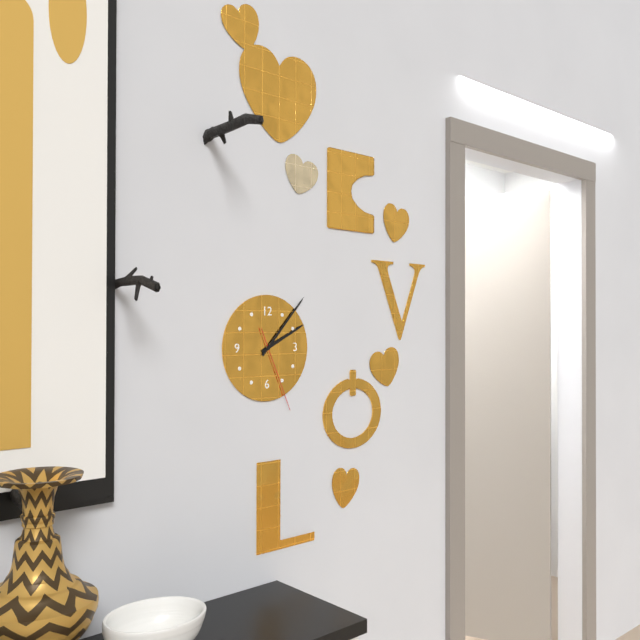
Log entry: 2,07,26
